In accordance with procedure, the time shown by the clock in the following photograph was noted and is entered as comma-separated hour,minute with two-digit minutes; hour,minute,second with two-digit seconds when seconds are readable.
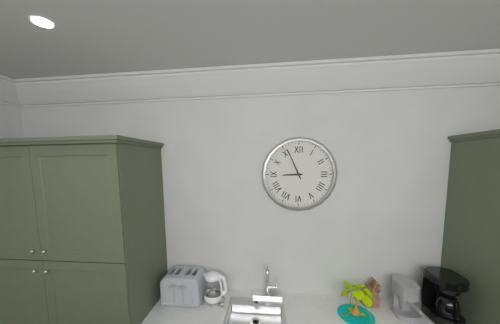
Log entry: 8,56
